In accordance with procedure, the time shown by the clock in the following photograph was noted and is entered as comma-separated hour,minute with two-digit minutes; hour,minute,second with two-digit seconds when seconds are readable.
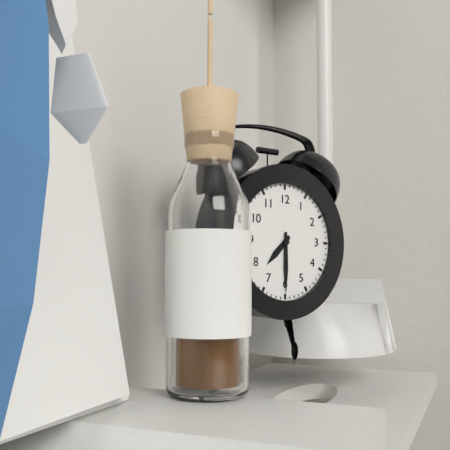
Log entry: 7,30
